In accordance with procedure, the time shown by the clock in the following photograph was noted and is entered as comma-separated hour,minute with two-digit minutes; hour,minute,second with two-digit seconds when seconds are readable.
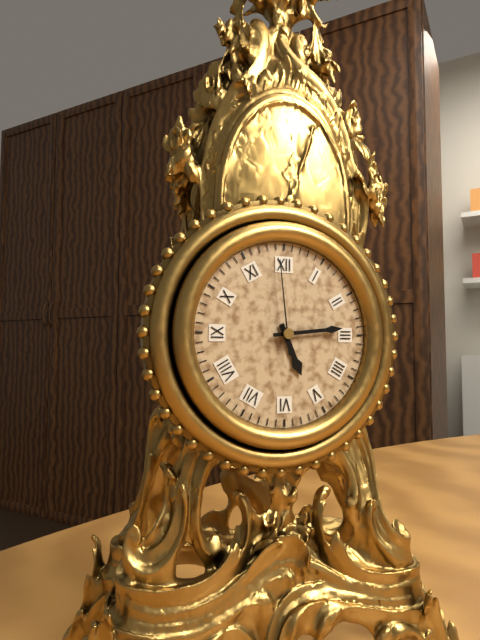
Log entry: 5,14,59
